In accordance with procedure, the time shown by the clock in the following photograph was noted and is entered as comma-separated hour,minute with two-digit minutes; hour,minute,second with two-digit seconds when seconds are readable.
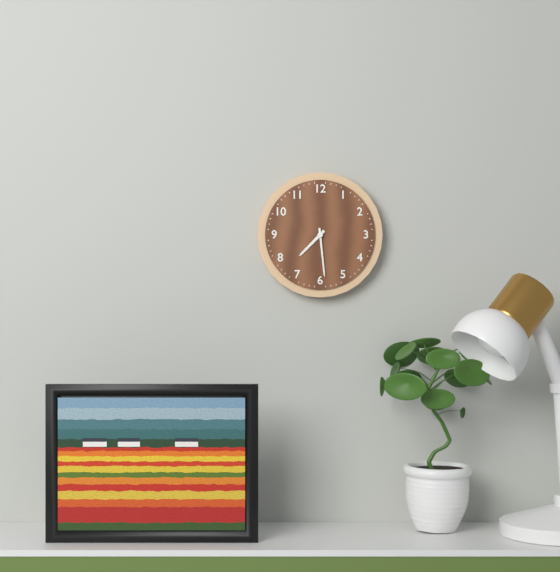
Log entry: 7,29
